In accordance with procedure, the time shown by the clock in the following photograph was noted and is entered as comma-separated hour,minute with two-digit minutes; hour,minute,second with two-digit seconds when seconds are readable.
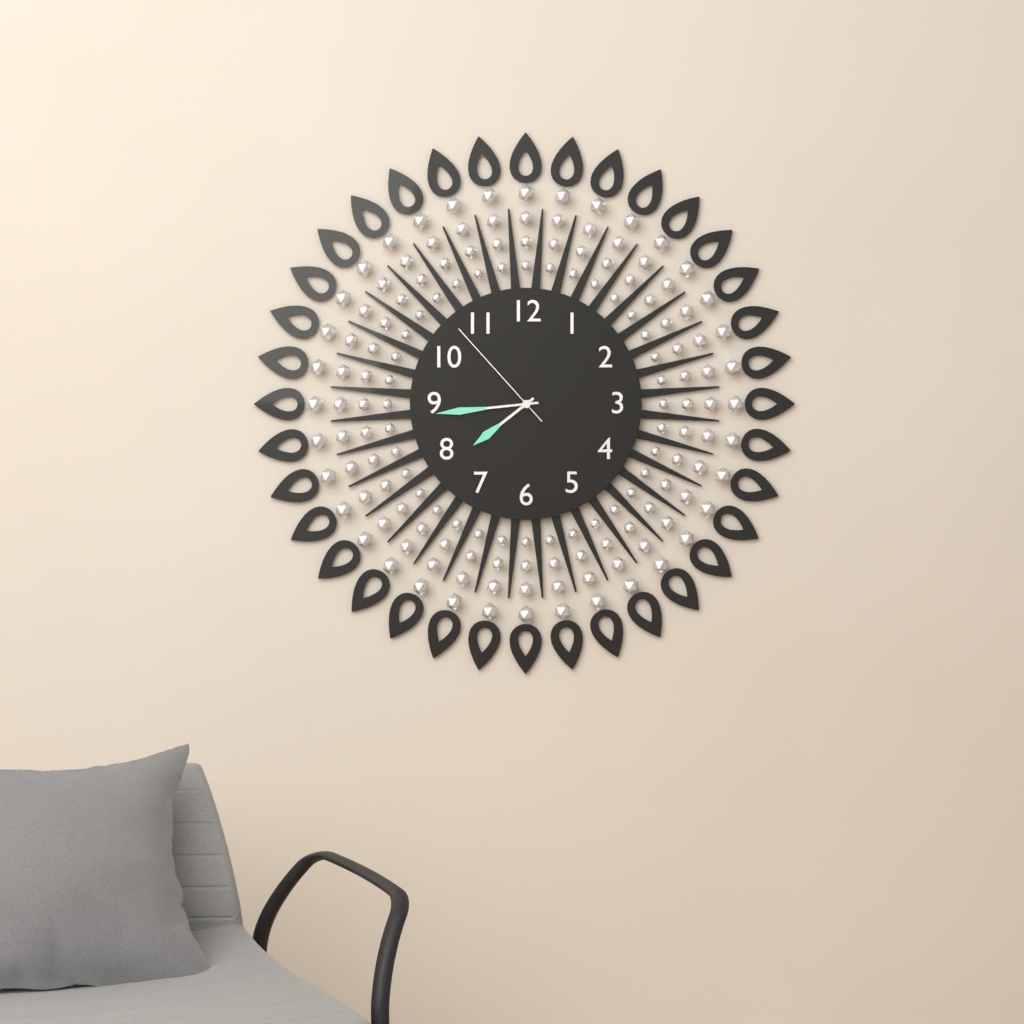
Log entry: 7,44,53
